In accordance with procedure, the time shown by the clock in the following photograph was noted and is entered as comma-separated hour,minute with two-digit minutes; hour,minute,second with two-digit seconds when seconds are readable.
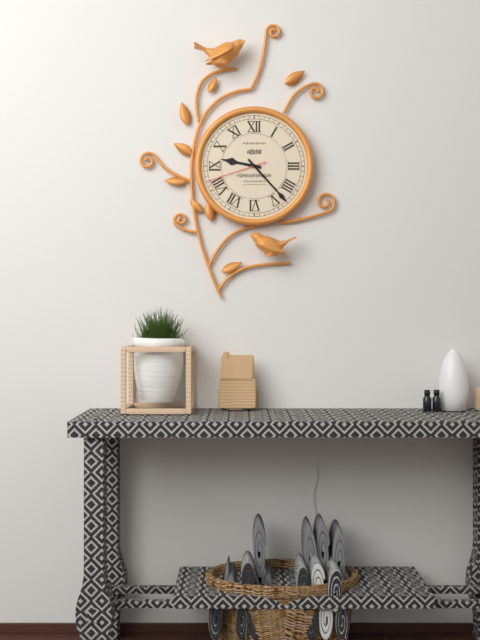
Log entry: 9,23,42
